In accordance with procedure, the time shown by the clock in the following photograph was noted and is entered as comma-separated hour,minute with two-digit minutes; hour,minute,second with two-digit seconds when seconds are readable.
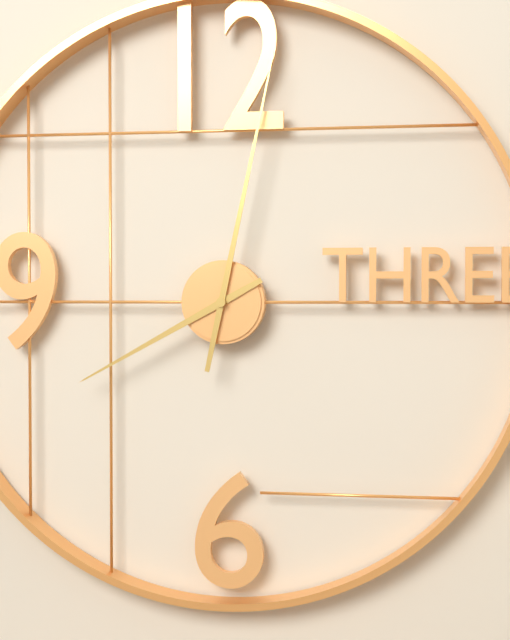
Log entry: 8,02
